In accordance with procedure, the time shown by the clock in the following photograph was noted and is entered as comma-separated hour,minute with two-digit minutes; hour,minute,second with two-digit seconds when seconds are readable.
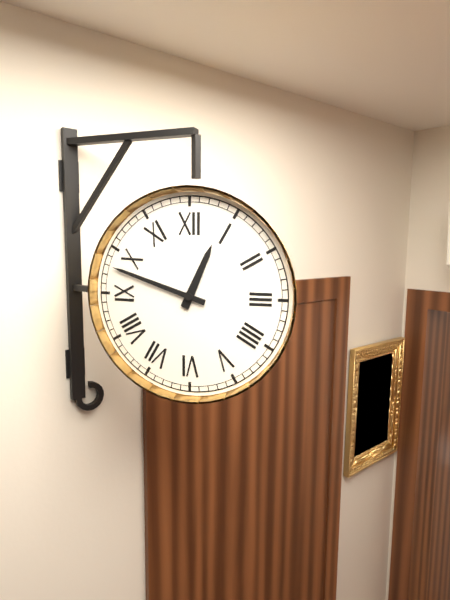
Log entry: 12,48
